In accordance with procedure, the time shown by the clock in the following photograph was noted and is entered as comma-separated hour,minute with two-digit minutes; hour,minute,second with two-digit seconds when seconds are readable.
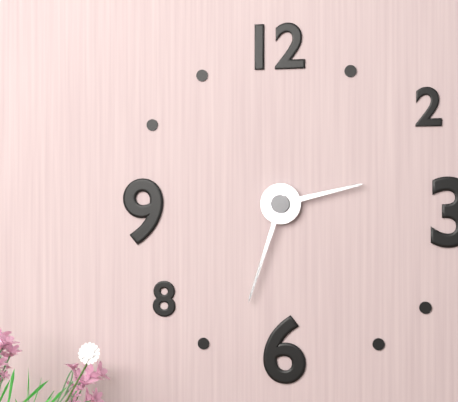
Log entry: 2,33
